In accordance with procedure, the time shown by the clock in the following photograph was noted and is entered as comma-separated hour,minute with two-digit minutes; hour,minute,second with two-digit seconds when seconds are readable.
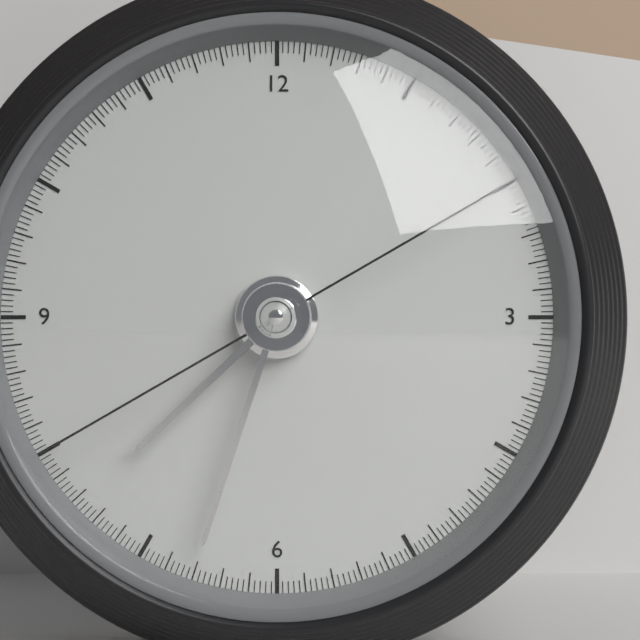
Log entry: 7,33,40
